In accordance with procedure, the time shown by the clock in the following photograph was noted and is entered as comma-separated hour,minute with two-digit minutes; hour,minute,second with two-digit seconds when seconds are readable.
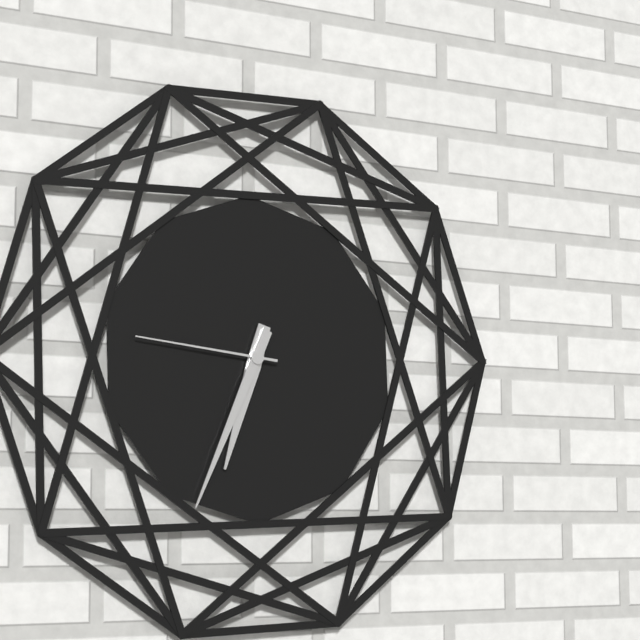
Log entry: 6,34,46
